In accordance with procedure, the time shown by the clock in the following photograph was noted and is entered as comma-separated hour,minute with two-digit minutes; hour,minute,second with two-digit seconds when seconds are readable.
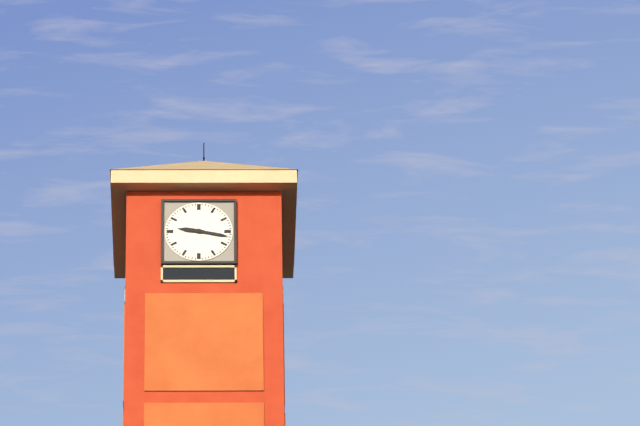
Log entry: 9,17
